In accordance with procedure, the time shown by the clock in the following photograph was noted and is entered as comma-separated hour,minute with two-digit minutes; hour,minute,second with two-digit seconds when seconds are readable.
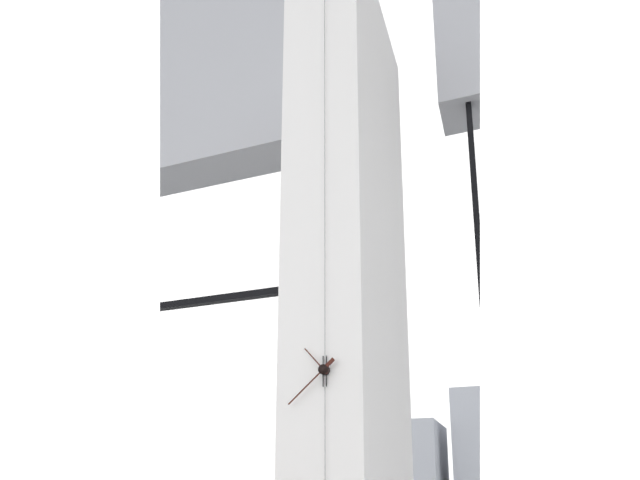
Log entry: 10,38
